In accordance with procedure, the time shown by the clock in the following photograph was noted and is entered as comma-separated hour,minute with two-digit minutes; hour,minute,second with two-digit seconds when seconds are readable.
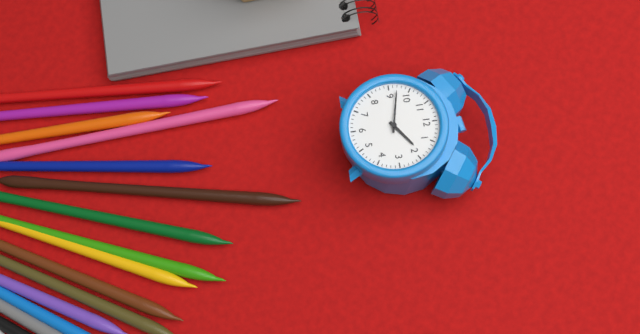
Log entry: 1,47
